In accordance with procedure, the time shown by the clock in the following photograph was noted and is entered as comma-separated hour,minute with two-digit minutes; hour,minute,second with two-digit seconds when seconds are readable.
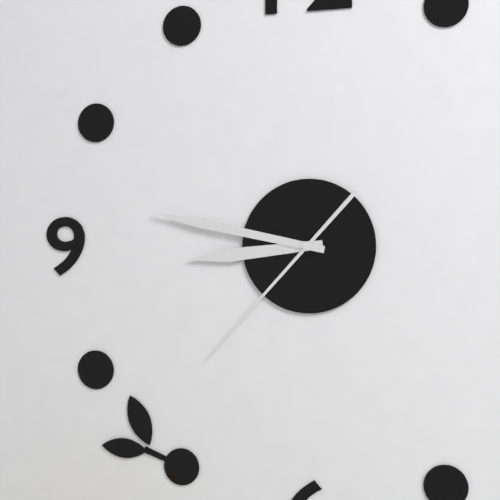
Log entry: 8,47,37
